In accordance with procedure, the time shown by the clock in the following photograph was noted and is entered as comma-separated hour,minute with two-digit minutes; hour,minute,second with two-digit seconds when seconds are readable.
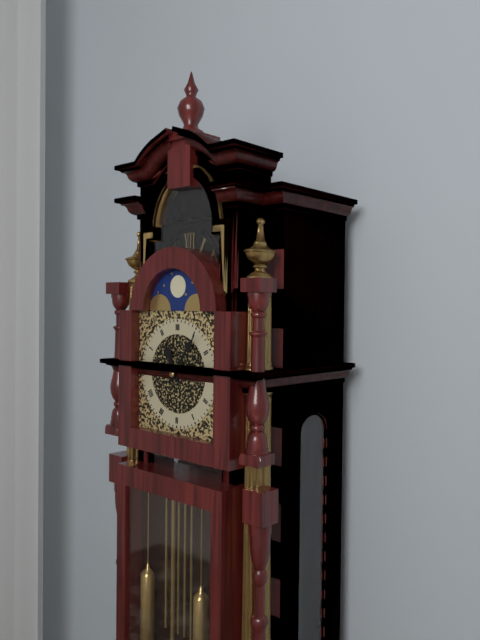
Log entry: 11,06
